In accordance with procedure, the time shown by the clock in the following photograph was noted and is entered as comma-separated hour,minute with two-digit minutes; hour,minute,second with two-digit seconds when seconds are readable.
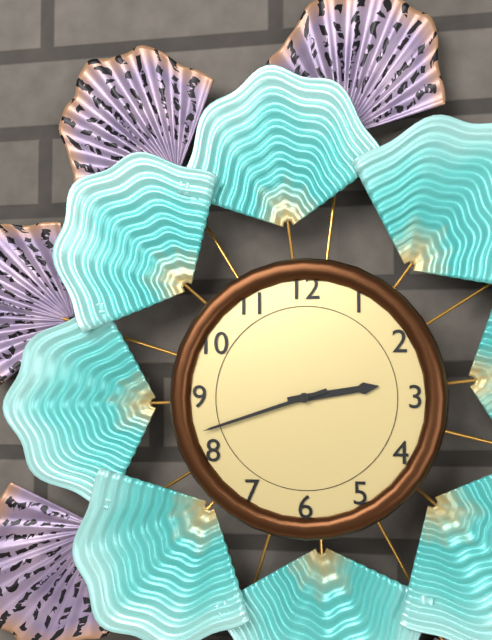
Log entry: 2,42
